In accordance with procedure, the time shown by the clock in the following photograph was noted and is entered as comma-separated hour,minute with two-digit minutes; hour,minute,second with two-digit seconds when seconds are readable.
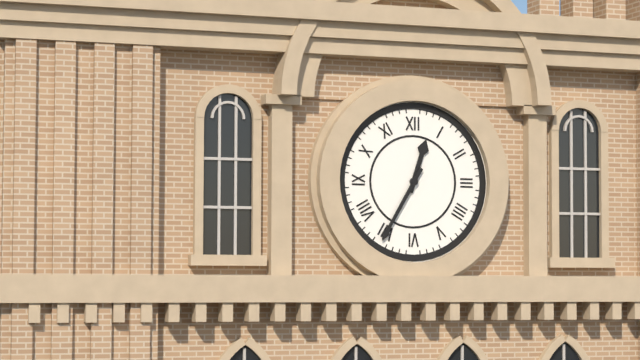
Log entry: 12,35
